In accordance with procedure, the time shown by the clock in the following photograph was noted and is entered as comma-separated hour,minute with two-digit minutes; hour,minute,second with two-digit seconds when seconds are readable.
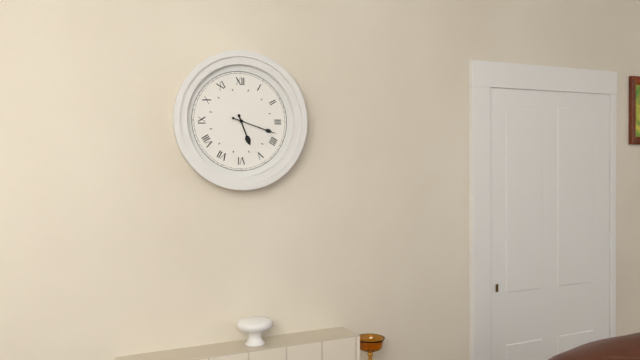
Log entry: 5,18
